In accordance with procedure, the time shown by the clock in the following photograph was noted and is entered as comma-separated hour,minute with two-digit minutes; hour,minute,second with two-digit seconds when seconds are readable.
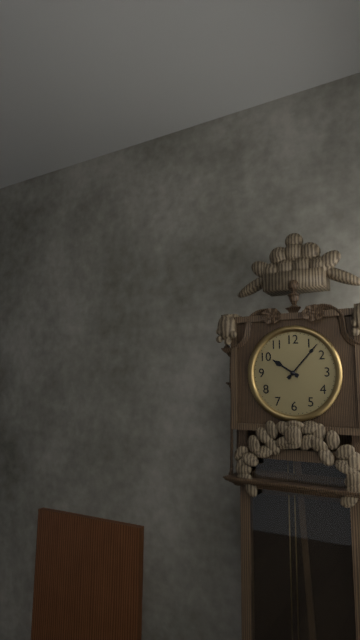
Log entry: 10,07
